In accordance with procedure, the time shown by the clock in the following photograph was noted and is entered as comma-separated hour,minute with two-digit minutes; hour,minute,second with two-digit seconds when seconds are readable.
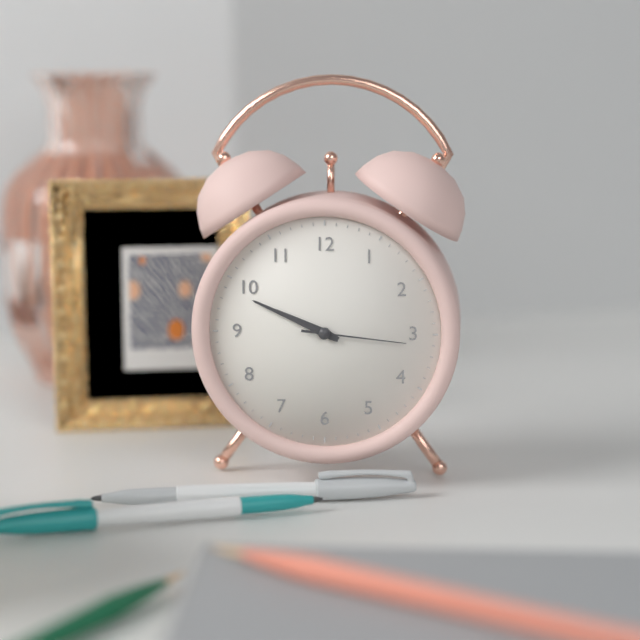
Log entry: 9,49,16
